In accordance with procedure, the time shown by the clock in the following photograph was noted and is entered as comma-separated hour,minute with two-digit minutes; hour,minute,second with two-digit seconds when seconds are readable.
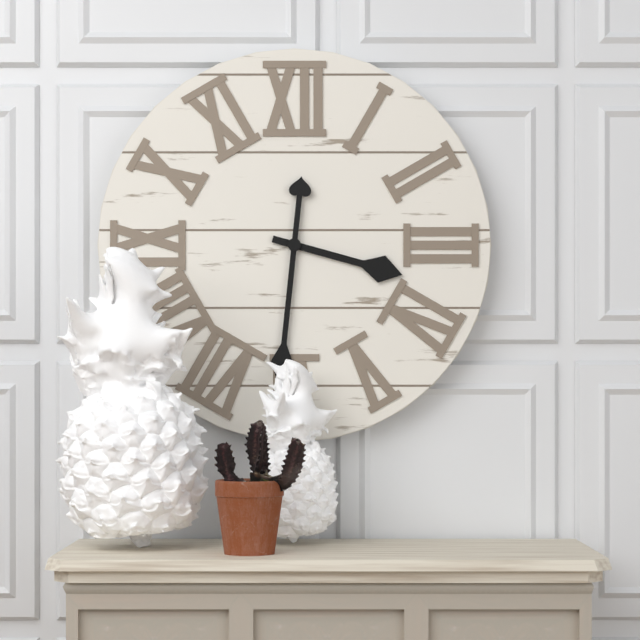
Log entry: 3,31
